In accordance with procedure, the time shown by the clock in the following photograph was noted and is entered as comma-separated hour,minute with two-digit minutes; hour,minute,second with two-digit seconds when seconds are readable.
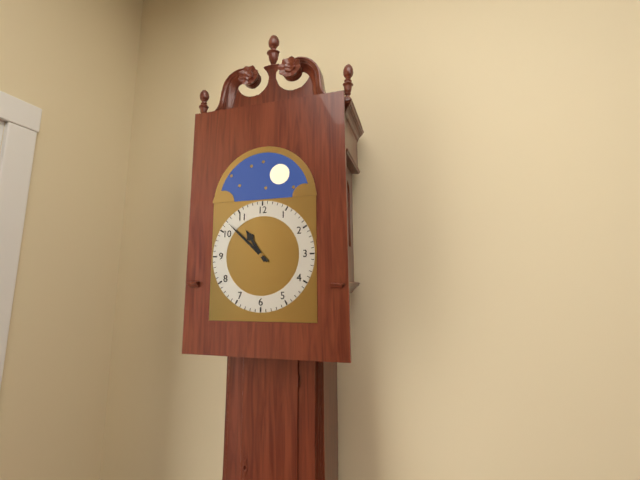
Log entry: 10,52
